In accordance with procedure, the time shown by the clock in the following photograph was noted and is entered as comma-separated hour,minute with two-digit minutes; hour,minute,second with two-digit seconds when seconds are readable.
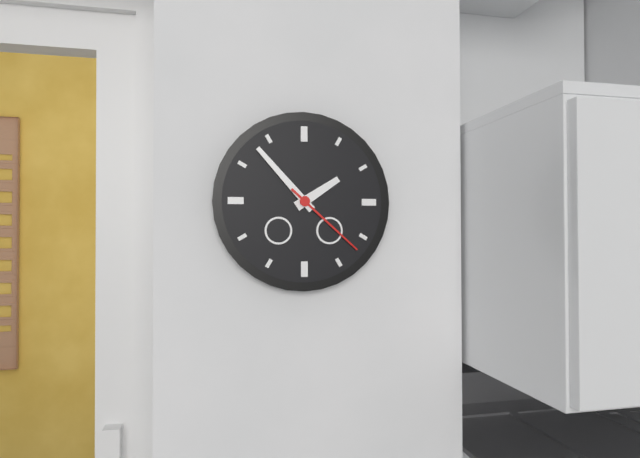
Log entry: 1,53,22
